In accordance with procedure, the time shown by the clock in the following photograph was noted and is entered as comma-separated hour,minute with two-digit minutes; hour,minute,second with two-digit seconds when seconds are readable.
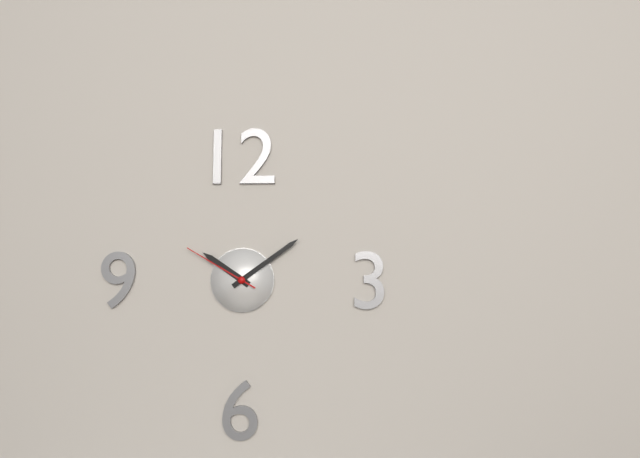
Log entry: 10,09,50
